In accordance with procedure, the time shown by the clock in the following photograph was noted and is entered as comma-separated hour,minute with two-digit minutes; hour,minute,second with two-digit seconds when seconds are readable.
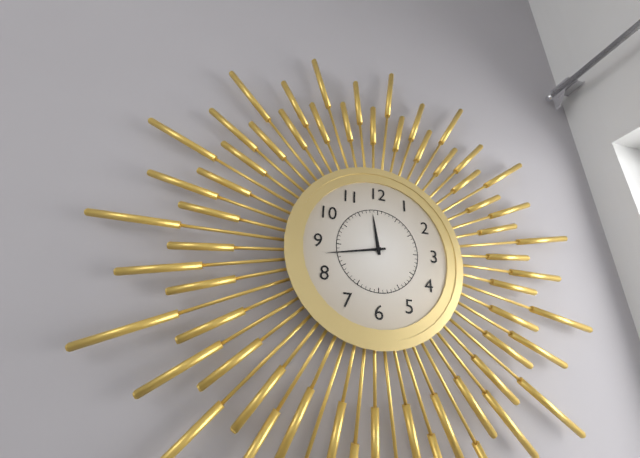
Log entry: 11,43
